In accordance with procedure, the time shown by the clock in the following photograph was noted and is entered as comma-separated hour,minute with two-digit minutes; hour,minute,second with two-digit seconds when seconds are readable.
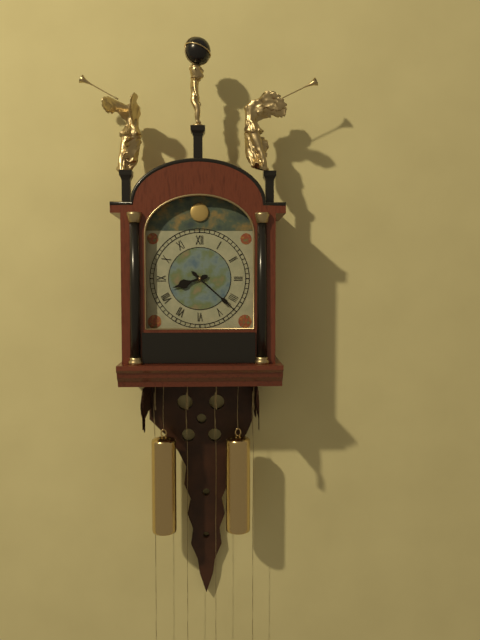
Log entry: 8,22
